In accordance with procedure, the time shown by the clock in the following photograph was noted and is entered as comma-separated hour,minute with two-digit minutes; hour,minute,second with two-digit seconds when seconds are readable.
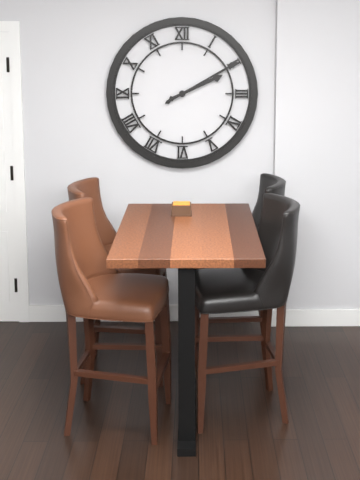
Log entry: 2,10
